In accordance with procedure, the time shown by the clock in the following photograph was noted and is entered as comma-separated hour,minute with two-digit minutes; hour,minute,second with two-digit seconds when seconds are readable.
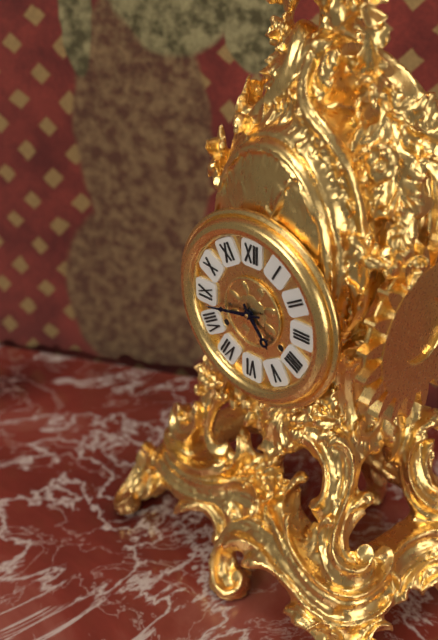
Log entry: 4,43
